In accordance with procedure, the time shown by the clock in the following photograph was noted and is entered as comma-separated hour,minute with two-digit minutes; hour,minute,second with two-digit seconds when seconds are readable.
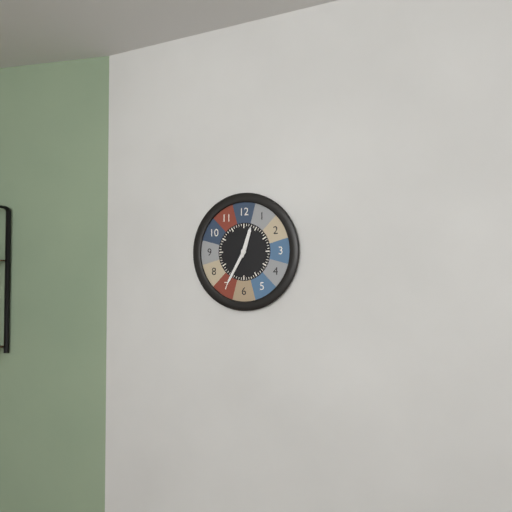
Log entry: 12,35
